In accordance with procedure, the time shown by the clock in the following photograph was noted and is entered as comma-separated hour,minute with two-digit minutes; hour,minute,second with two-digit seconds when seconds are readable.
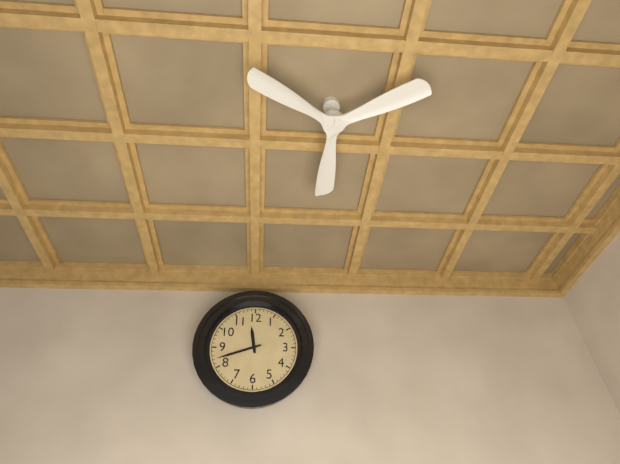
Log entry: 11,42
